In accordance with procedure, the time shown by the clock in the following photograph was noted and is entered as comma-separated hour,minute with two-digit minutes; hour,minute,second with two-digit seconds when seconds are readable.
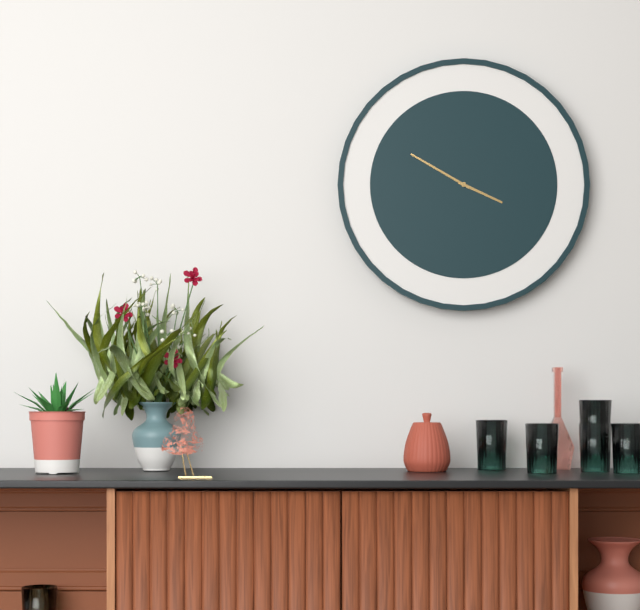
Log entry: 3,50
